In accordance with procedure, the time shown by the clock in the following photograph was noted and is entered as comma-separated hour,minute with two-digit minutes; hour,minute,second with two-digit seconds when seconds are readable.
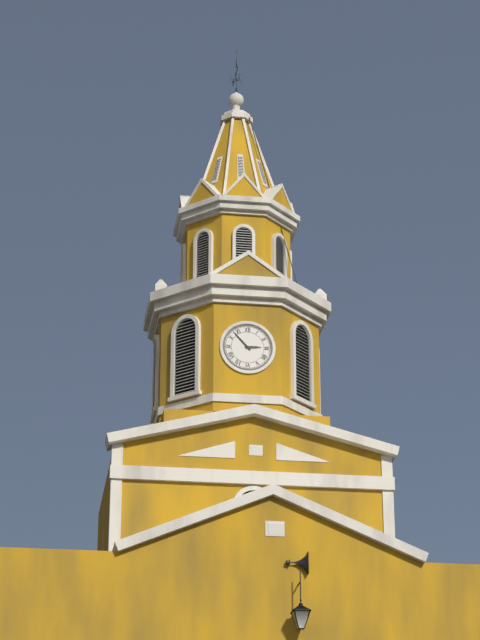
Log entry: 2,53
